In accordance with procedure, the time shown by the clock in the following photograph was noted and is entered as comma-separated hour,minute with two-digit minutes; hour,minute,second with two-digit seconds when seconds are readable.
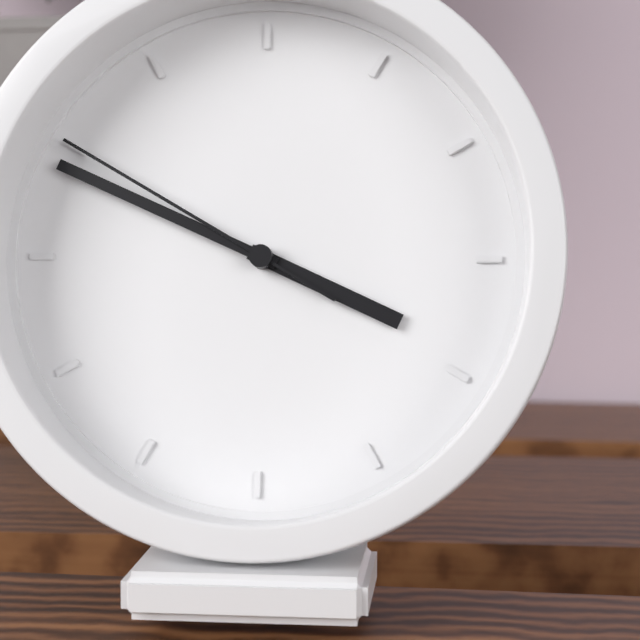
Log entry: 3,49,50
